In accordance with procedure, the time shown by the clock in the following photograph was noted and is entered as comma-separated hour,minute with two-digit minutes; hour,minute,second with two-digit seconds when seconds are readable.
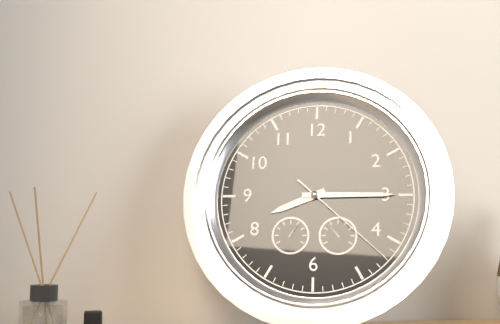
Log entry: 8,15,22
